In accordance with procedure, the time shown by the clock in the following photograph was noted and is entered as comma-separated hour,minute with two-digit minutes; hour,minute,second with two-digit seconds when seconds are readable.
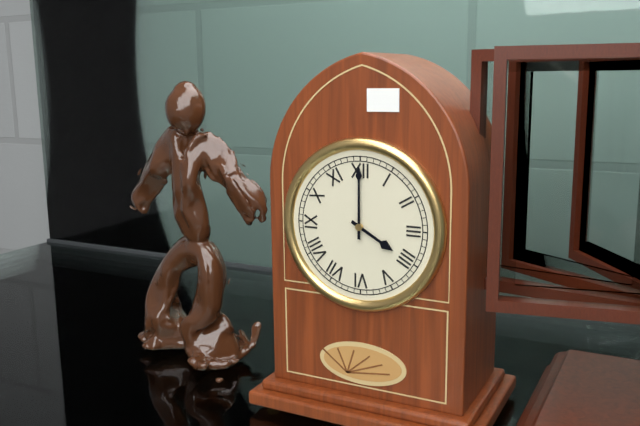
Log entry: 4,00
